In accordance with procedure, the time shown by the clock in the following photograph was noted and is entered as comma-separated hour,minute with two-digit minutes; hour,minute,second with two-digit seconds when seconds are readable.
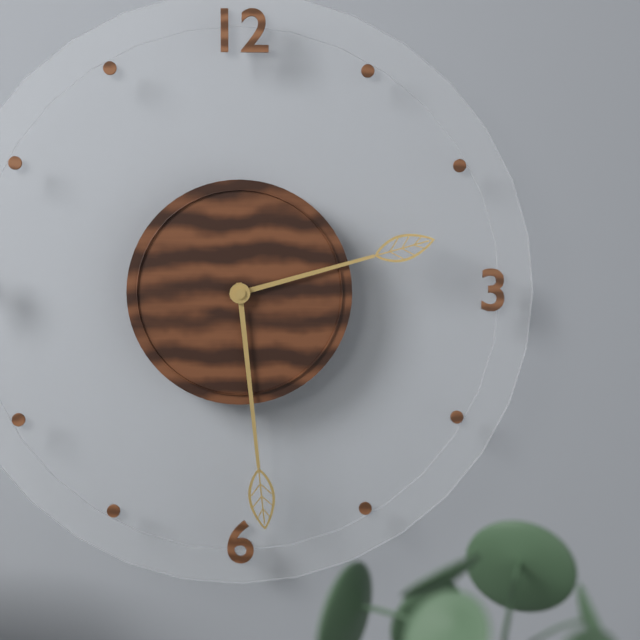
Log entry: 2,29
